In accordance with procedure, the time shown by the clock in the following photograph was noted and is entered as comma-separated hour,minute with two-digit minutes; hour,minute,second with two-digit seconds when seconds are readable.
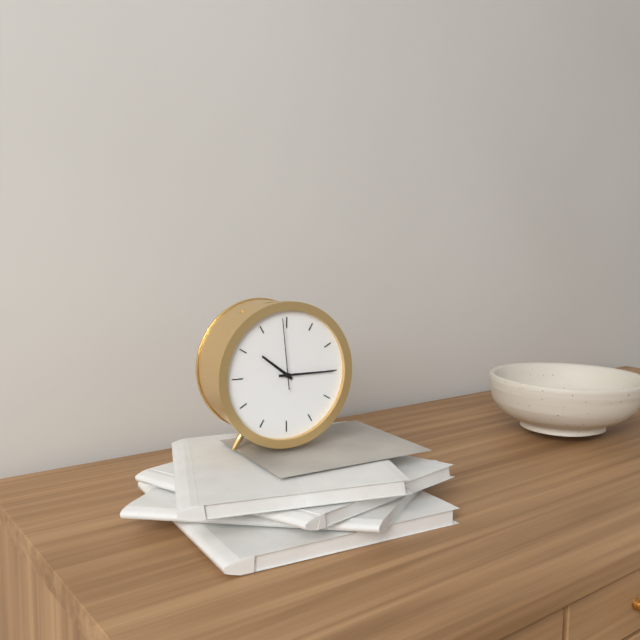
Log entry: 10,15,59
